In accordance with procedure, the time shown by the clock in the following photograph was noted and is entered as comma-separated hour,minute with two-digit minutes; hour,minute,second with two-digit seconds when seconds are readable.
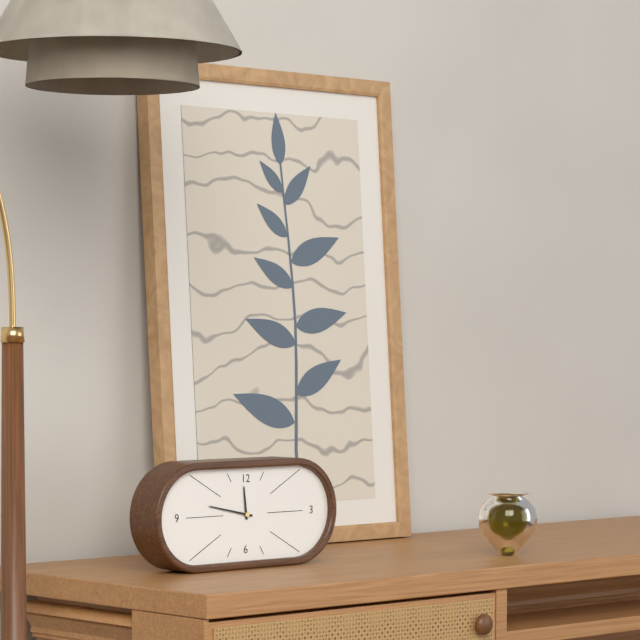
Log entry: 11,47
